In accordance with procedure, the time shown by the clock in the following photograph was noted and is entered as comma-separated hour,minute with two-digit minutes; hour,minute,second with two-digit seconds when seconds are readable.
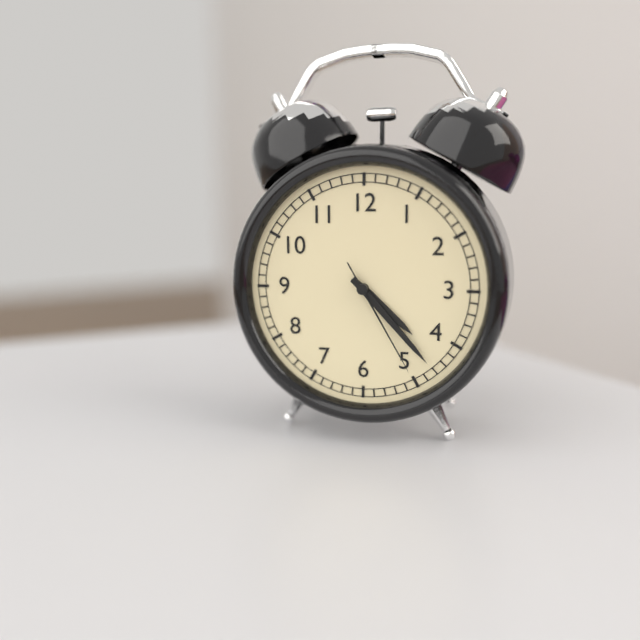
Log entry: 4,23,25
